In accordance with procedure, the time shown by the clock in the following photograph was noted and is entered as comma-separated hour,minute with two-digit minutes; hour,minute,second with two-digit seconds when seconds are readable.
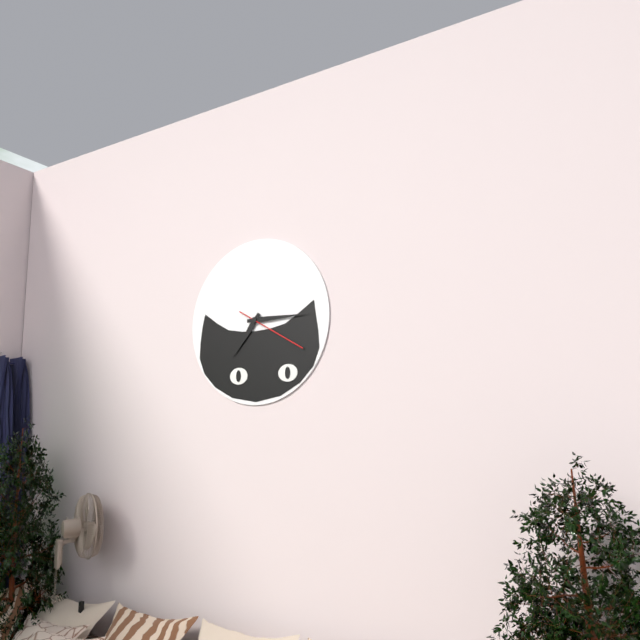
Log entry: 7,15,20
